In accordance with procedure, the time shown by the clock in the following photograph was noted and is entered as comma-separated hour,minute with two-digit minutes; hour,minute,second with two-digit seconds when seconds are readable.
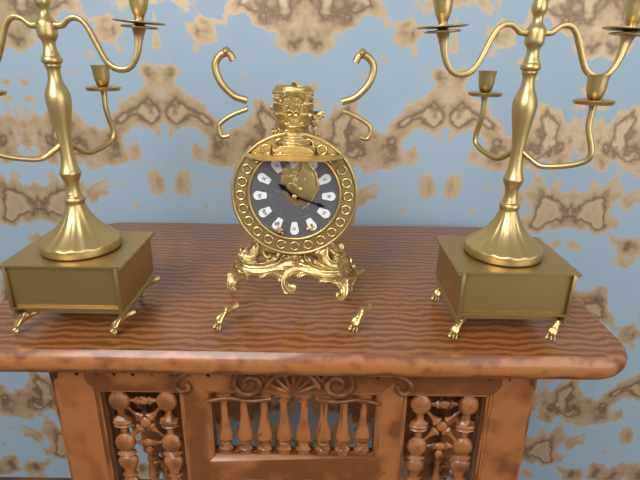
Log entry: 10,18
